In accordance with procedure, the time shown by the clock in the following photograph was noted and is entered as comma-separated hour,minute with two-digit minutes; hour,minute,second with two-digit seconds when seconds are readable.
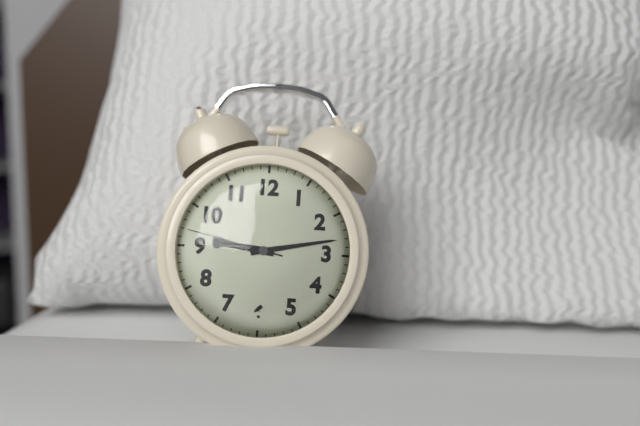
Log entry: 9,13,47
